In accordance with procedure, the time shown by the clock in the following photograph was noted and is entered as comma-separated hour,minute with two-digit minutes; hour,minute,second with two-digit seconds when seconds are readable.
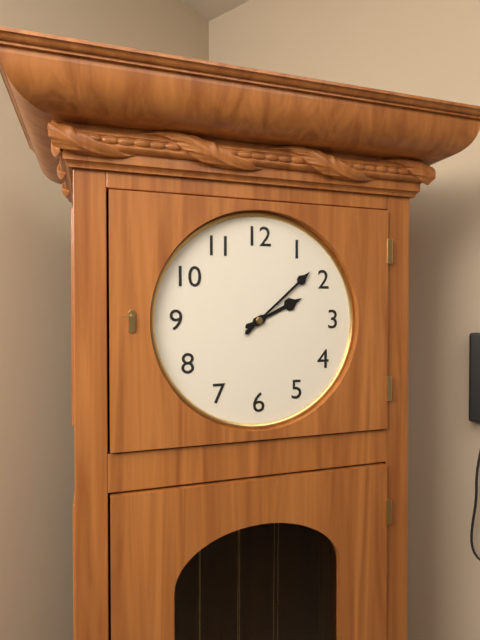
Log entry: 2,08
